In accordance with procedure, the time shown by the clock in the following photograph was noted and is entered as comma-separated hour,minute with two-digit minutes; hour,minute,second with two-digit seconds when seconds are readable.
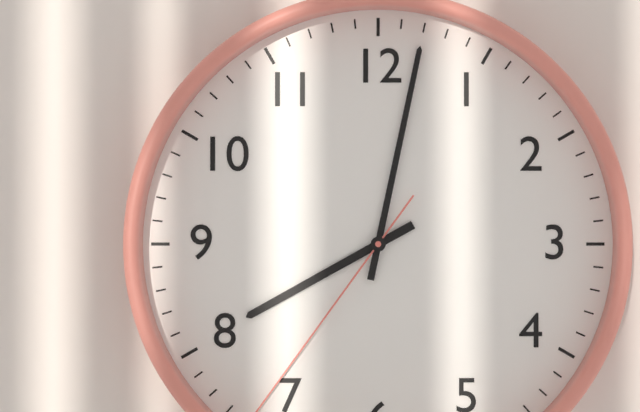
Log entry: 8,02
